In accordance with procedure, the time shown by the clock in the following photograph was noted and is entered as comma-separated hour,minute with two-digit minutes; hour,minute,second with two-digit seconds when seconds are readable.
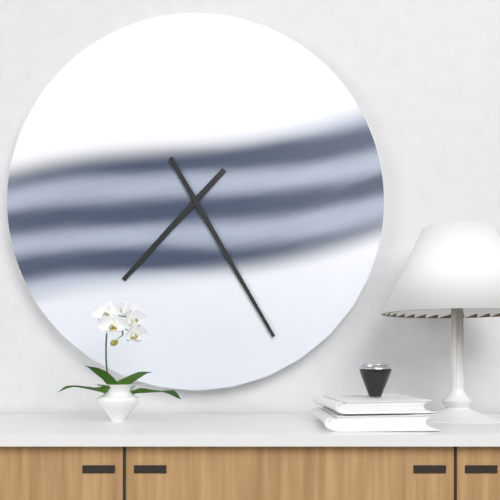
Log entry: 7,25
